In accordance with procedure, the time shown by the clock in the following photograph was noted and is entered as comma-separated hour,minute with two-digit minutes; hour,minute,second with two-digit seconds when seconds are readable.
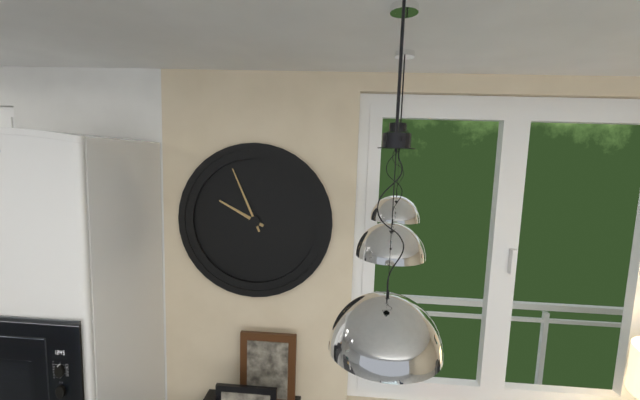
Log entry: 9,56
